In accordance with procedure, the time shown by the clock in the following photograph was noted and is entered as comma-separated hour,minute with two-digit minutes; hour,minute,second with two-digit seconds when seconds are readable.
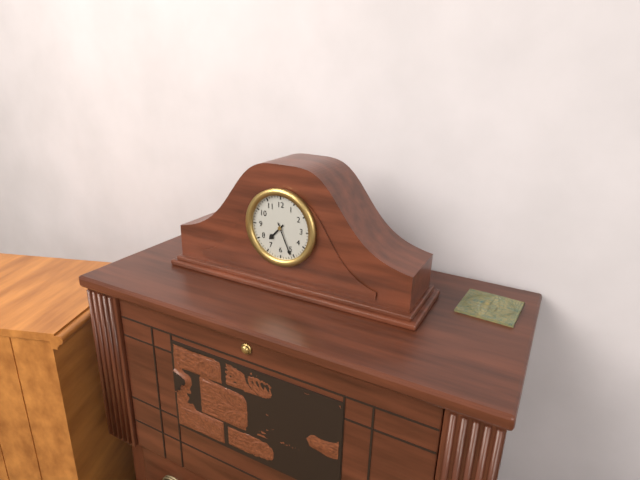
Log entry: 7,26
